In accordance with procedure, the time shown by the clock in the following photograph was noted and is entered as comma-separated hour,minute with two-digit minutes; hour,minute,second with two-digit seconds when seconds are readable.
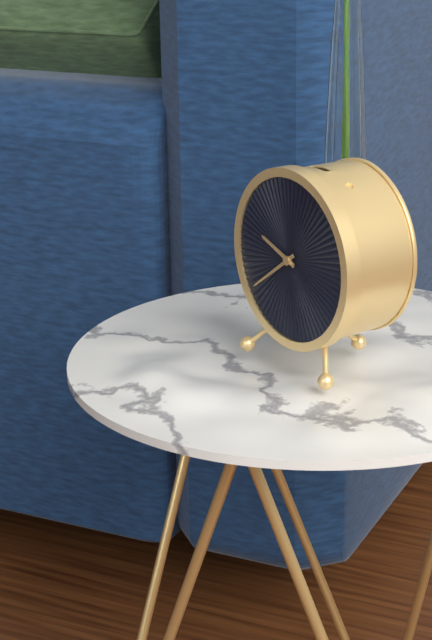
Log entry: 9,39
